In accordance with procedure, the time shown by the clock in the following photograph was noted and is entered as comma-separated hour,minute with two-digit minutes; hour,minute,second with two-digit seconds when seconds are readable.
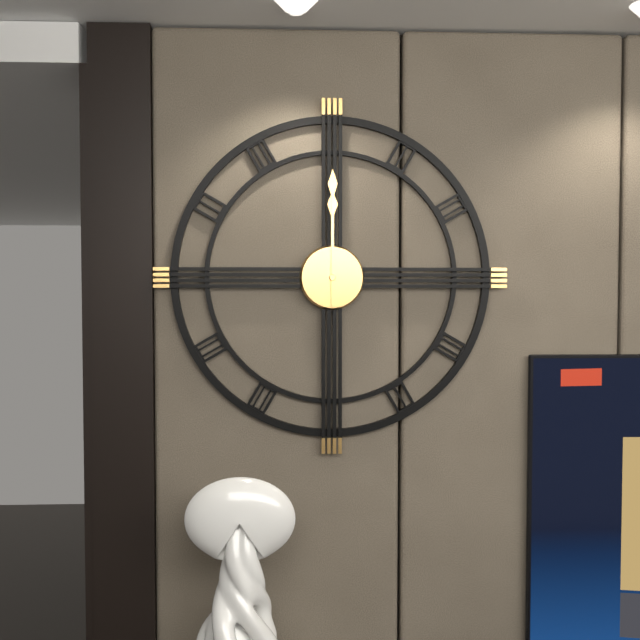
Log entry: 12,00
